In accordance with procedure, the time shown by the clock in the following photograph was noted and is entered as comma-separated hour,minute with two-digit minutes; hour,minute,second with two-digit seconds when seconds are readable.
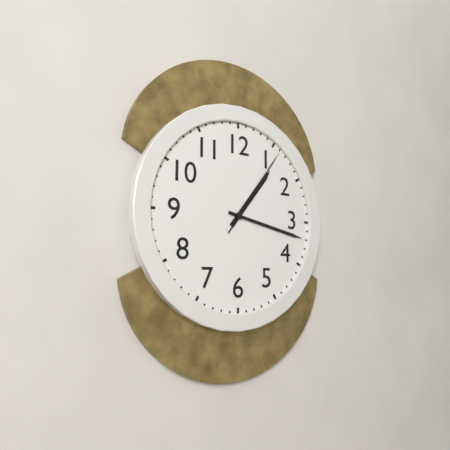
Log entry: 1,17,06
